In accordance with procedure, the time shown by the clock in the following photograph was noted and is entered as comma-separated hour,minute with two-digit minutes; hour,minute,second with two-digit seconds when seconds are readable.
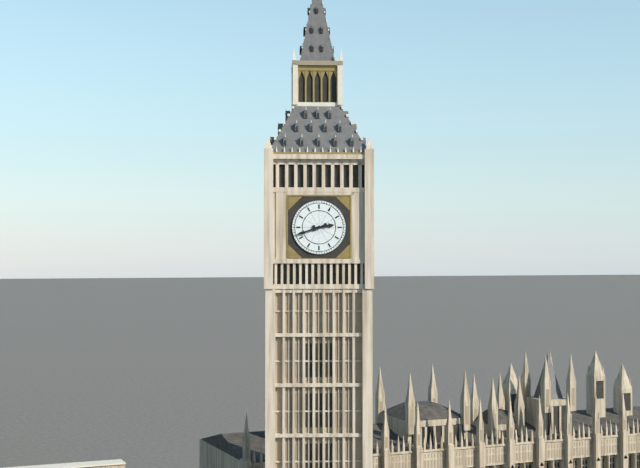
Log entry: 2,42
